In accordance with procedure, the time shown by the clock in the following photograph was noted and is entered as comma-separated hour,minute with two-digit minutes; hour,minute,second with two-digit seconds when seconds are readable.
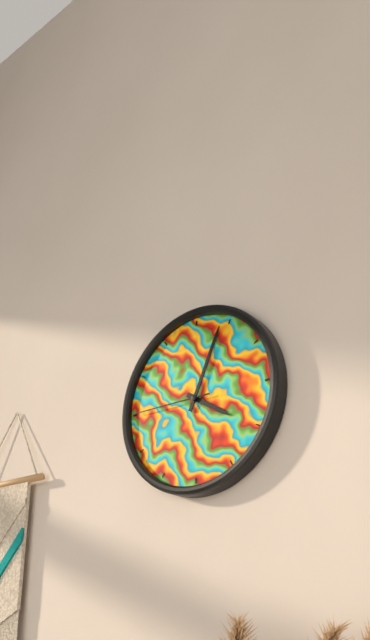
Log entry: 4,04,45
